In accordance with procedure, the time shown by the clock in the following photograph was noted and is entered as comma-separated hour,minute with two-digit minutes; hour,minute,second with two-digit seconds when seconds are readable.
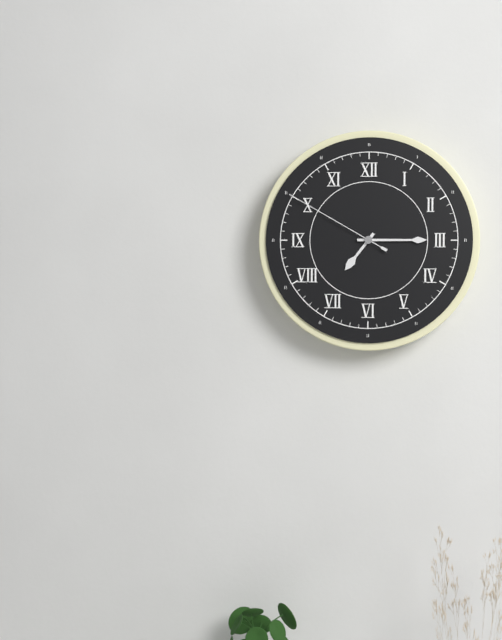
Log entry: 7,15,50
